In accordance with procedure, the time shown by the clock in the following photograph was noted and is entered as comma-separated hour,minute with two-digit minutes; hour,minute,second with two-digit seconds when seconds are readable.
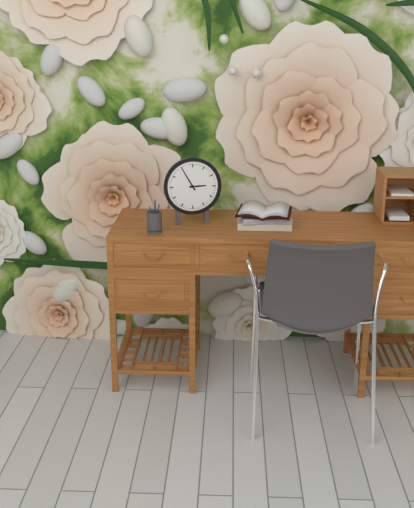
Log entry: 2,55
